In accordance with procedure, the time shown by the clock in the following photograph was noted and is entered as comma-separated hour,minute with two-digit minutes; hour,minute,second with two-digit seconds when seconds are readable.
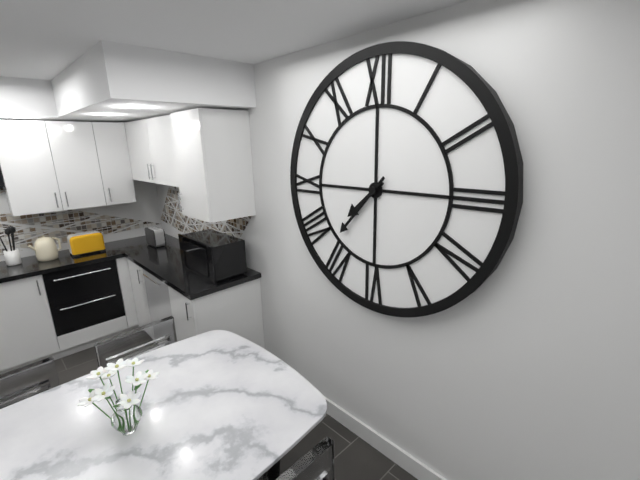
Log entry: 7,37
